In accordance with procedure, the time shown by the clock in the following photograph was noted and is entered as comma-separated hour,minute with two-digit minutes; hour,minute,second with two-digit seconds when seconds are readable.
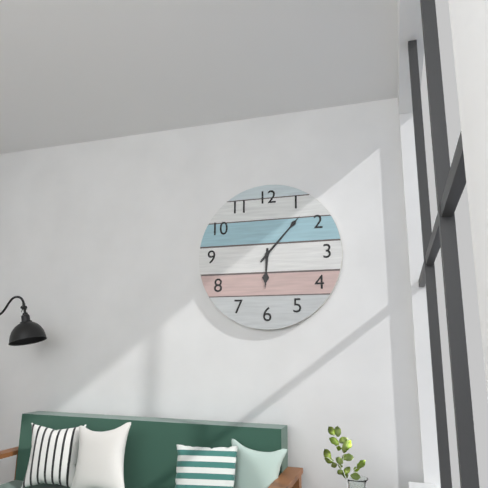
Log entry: 6,07
